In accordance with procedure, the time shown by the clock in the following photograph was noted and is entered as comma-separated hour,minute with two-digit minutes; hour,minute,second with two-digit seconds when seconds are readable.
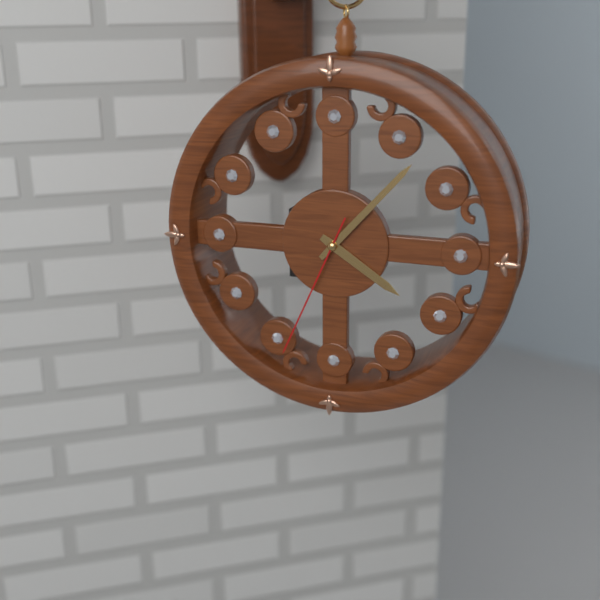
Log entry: 4,07,34
